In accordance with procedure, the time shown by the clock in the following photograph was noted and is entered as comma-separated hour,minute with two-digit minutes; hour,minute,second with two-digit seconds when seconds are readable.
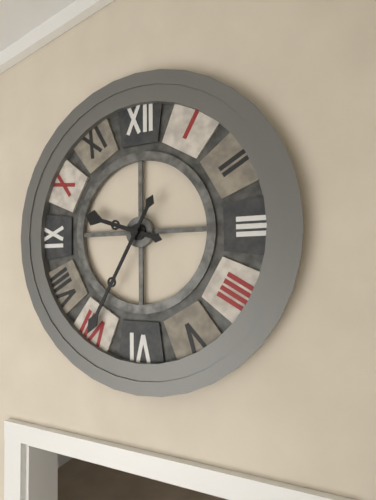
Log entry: 9,35
